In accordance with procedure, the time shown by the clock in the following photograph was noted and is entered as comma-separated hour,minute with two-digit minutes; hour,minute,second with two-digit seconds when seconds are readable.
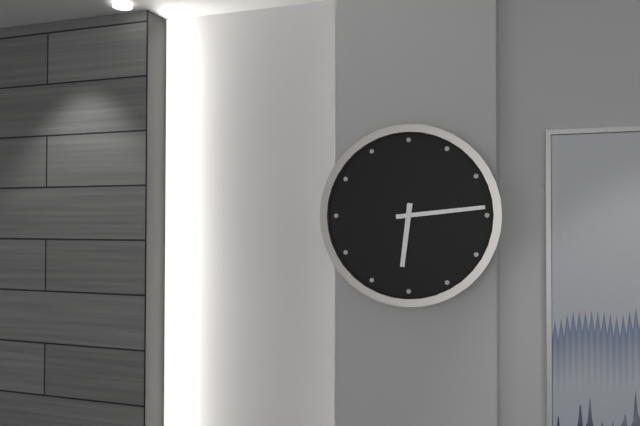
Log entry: 6,14
